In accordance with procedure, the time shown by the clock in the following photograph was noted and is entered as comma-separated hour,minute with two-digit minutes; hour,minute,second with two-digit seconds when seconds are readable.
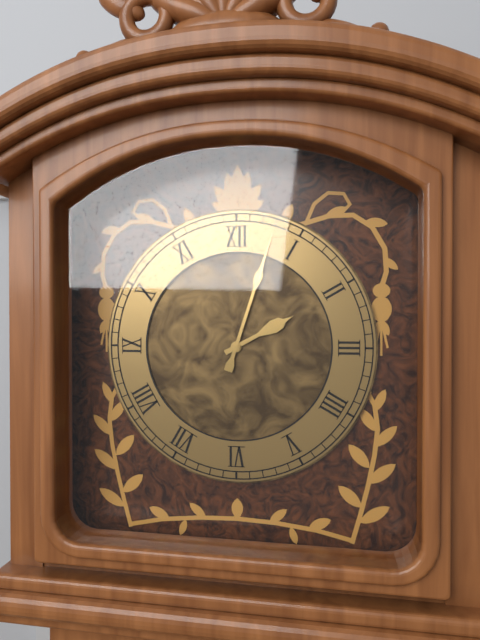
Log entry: 2,03
